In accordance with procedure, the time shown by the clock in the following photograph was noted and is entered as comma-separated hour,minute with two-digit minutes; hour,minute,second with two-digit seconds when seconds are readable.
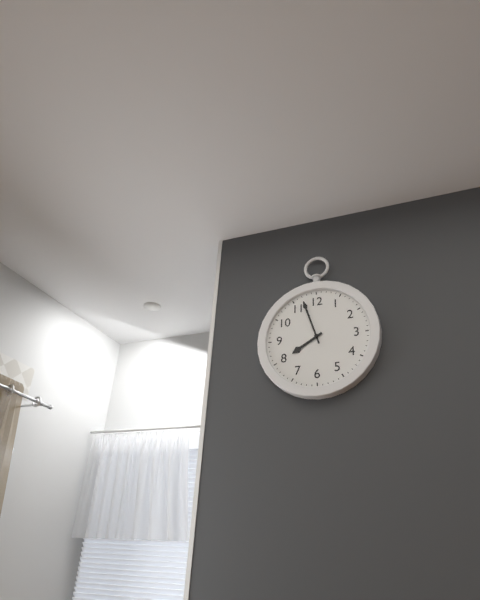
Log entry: 7,57
